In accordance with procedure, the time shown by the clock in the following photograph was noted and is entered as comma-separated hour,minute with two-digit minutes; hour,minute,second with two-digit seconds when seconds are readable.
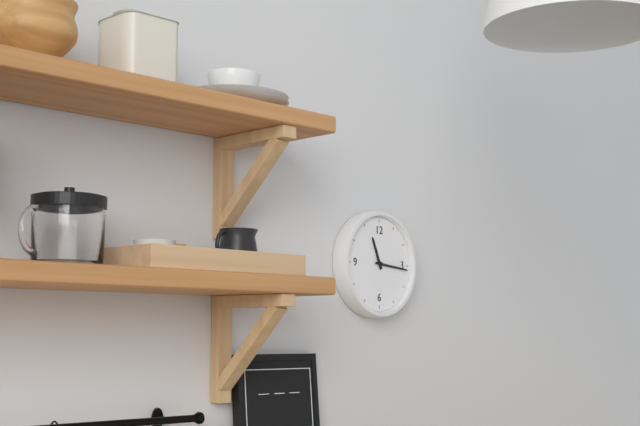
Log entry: 11,16
